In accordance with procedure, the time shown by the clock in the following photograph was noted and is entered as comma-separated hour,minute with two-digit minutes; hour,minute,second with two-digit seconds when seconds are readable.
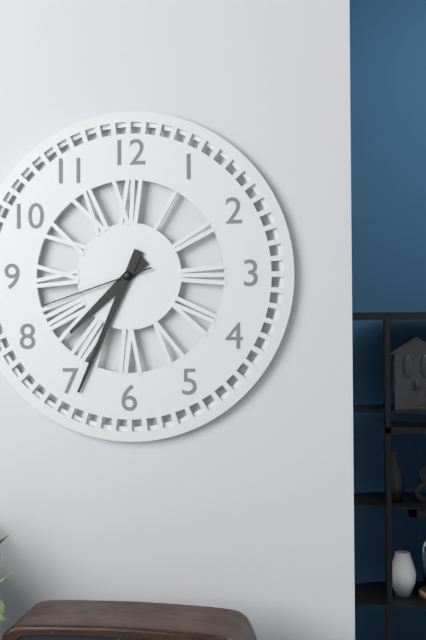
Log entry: 7,34,42
